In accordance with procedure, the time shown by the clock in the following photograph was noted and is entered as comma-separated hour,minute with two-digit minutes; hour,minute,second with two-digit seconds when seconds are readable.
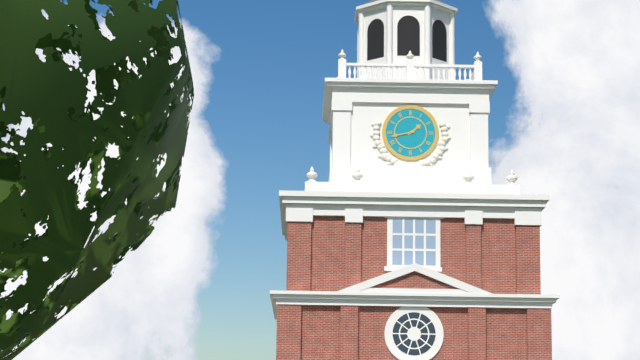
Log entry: 1,43
